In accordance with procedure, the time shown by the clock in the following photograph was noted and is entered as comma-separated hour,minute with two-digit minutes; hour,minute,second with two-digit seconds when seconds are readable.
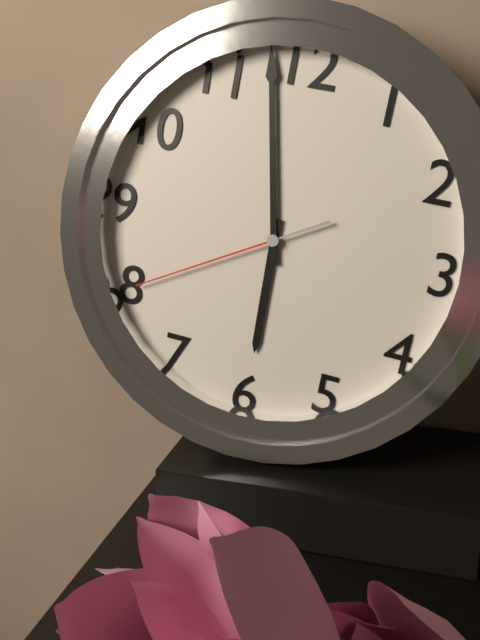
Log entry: 5,58,40
